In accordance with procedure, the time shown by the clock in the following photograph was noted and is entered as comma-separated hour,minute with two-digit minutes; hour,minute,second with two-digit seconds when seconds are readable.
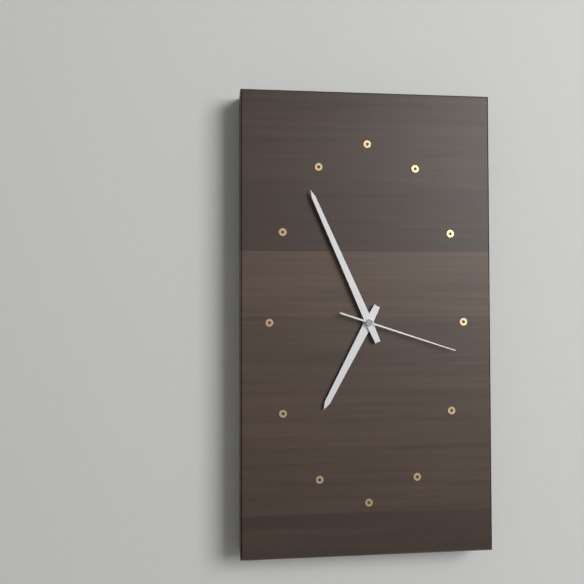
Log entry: 6,56,18
